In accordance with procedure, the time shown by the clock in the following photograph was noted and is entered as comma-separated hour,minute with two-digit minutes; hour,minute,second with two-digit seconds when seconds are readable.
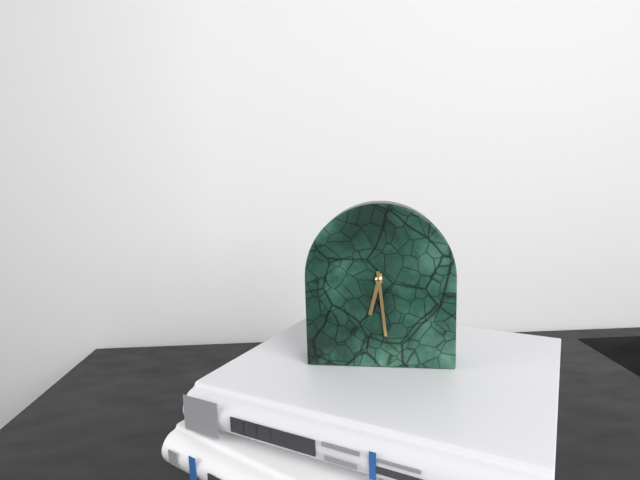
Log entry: 6,29
